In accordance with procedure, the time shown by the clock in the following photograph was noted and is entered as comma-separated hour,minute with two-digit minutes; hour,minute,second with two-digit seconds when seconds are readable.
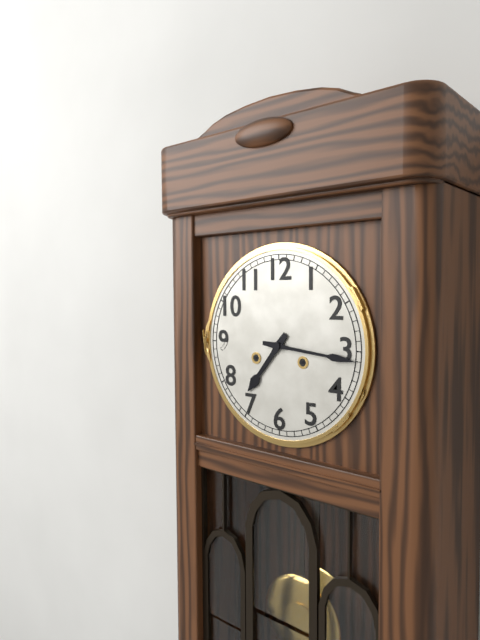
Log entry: 7,16
